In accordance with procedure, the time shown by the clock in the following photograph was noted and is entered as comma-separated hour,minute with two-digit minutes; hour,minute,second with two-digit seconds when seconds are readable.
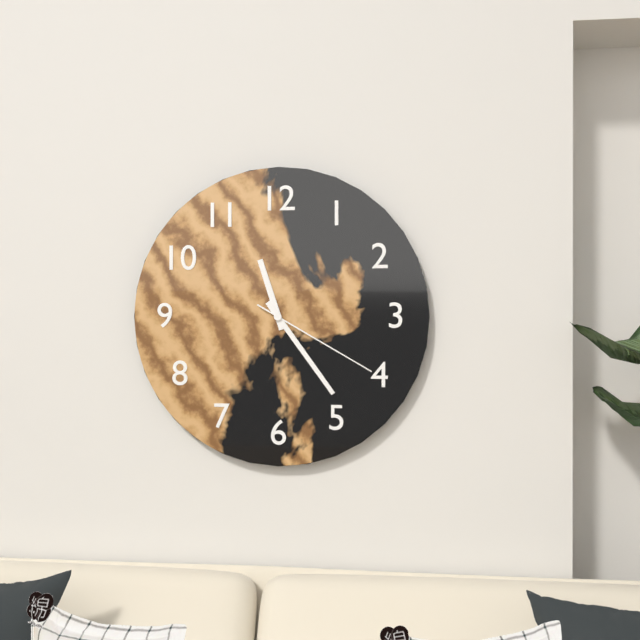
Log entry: 11,24,20
